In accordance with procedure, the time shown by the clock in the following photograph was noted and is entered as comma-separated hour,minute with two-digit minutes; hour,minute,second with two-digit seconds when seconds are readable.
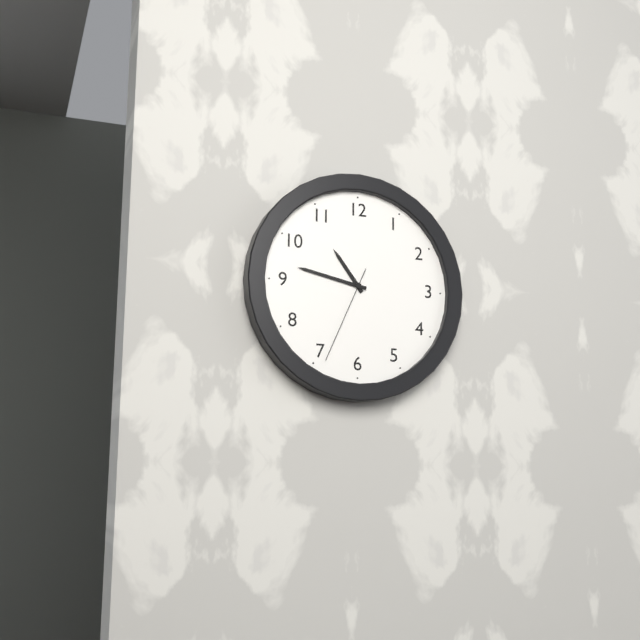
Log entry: 10,47,34
